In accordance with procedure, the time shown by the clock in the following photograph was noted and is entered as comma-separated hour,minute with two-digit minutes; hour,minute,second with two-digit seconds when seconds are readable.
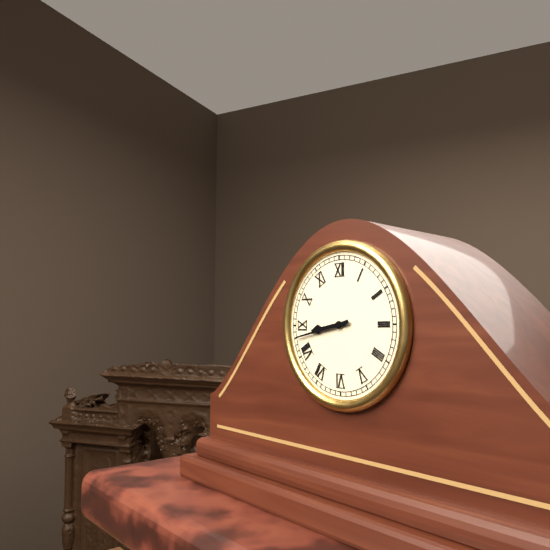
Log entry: 8,43
